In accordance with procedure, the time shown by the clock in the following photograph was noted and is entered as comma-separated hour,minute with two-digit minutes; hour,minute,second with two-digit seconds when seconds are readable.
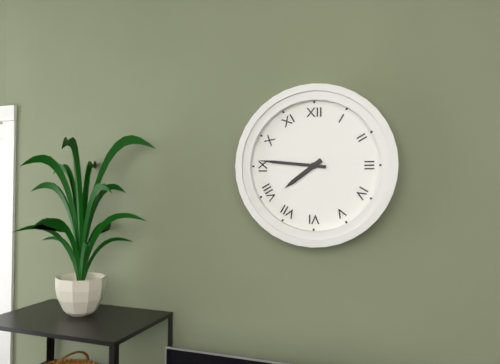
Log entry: 7,46
